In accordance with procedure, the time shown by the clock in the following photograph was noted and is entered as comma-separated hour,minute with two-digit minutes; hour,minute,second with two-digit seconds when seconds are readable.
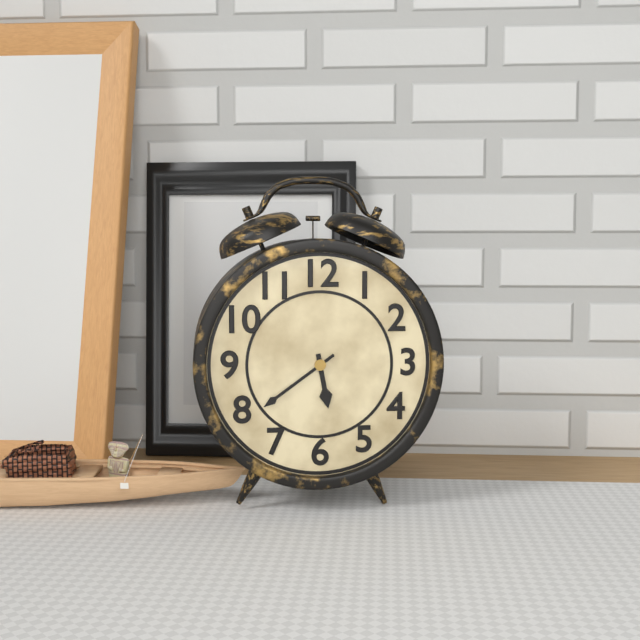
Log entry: 5,39
